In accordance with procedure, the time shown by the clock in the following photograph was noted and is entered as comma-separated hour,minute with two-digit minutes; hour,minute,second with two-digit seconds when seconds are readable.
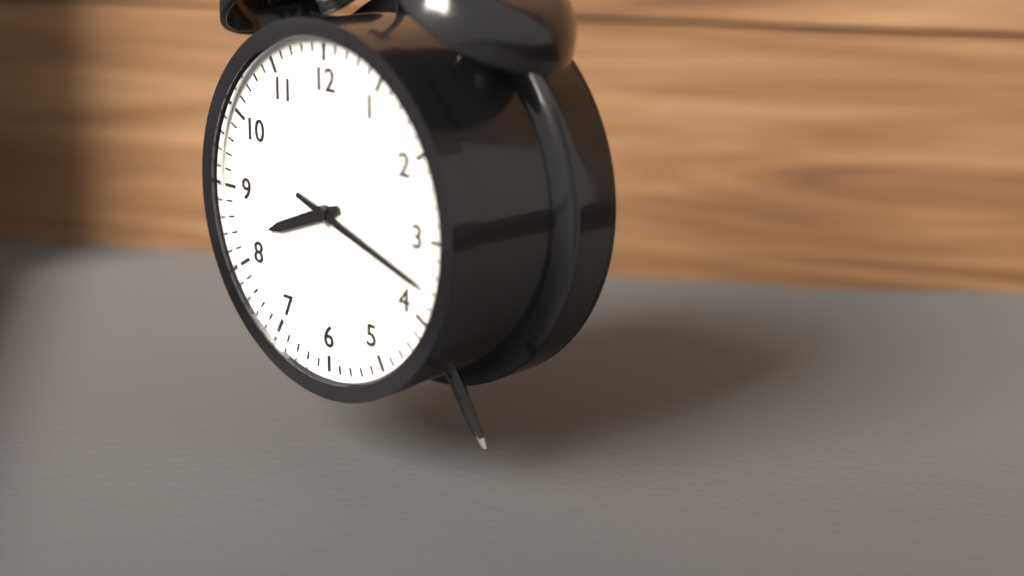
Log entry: 8,18
